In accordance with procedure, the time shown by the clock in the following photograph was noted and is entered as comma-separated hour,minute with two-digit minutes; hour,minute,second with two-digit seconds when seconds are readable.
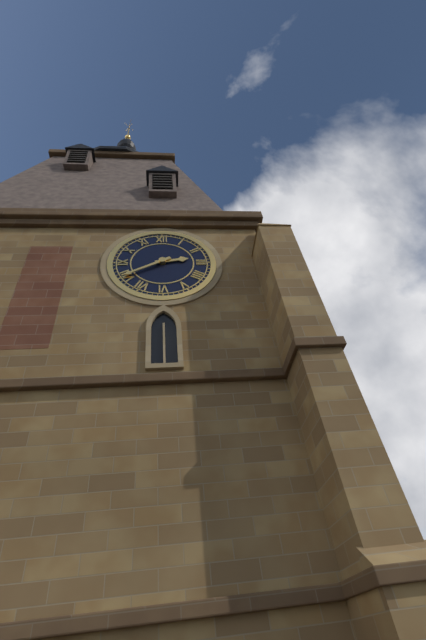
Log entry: 2,40
